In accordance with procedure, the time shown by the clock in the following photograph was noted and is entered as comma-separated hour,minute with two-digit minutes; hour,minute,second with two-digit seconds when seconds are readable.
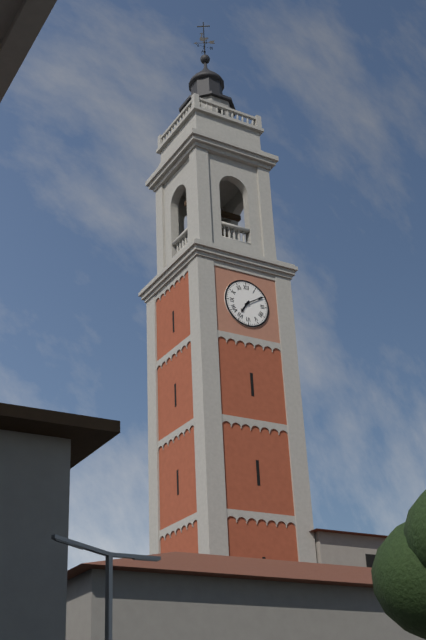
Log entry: 7,10
